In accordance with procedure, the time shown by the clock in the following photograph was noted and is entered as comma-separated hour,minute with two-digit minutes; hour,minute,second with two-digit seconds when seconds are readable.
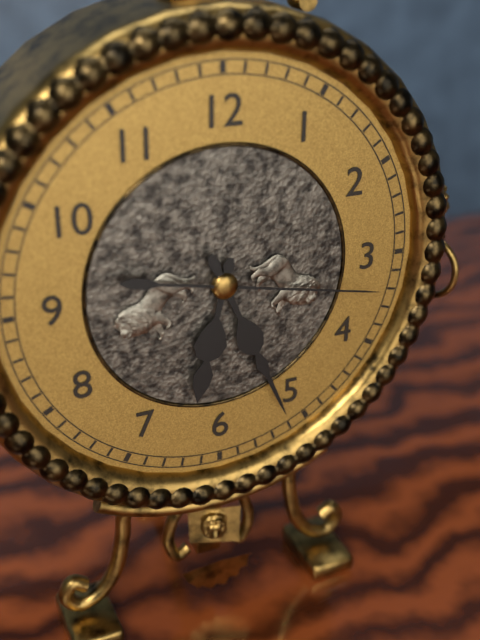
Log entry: 6,26,17
